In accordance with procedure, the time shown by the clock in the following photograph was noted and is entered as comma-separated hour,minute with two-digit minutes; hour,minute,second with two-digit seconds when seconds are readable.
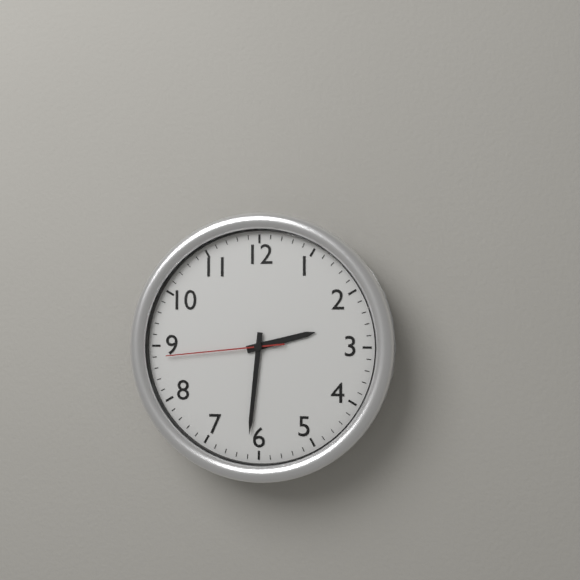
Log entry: 2,31,44
